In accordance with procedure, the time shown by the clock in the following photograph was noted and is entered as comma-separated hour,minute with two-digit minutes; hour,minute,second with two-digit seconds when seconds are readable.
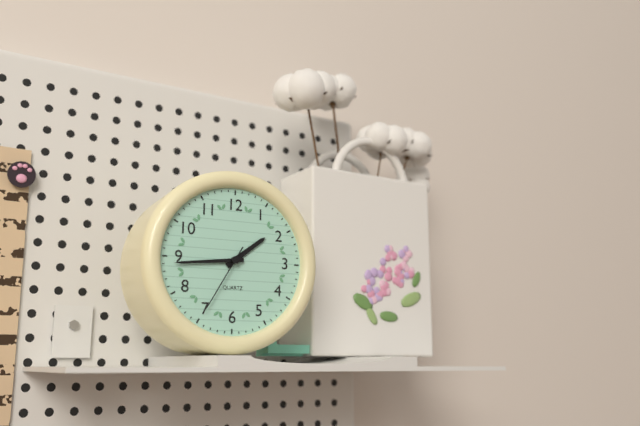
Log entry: 1,44,35
